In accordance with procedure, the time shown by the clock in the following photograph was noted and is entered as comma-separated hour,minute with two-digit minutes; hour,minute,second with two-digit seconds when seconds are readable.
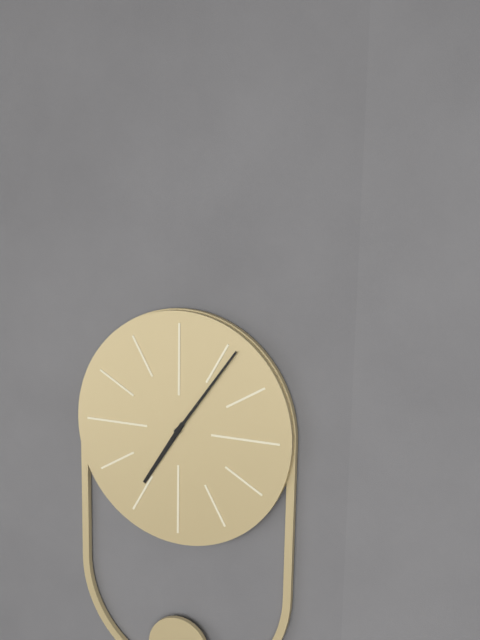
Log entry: 7,06
